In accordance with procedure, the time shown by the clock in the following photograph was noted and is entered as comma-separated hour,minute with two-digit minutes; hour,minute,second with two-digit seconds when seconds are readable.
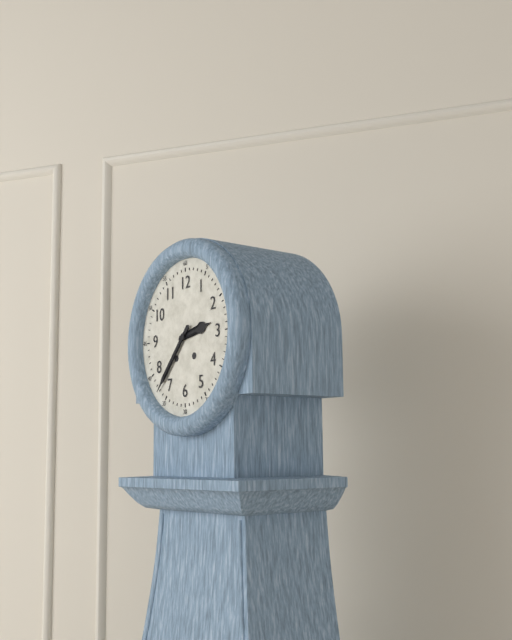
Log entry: 2,37
